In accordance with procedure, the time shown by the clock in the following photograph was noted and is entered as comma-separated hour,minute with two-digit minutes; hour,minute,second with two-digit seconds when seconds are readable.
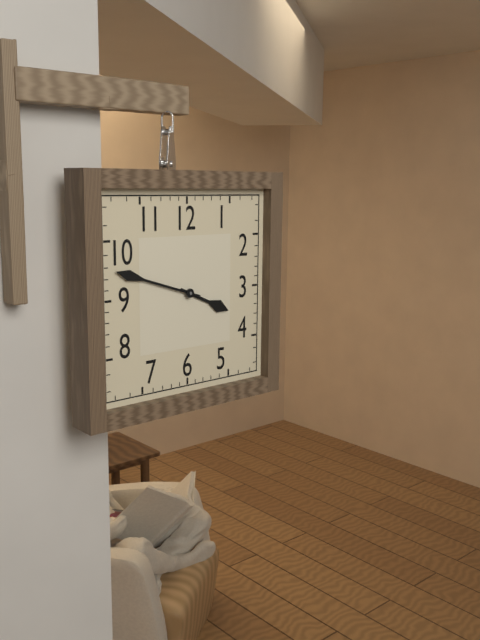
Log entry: 3,48
